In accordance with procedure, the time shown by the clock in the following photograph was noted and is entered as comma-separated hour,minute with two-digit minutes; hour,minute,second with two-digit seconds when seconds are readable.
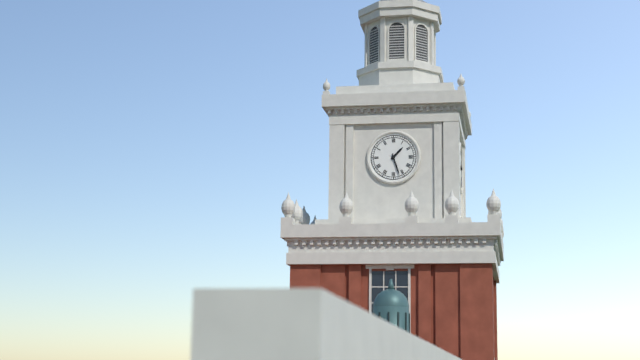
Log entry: 1,27
